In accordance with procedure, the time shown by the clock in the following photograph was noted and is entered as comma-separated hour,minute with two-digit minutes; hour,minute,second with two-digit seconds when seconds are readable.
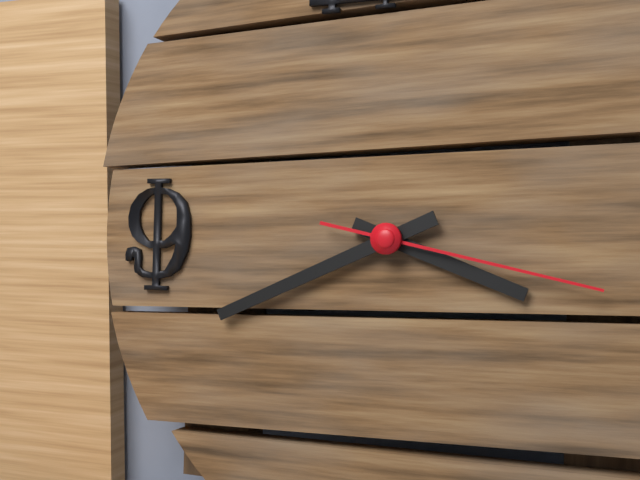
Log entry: 3,41,17
